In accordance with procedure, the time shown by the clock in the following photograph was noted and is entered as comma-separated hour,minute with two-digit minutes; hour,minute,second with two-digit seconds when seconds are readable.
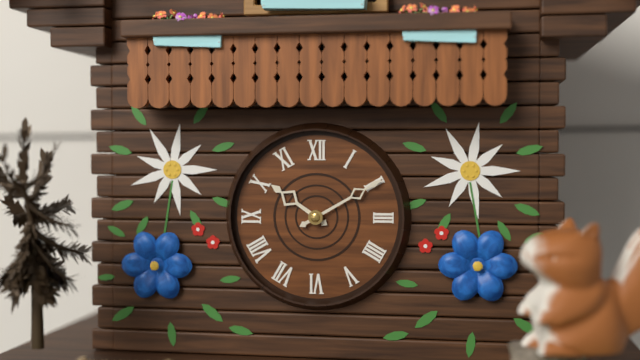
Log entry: 10,10
